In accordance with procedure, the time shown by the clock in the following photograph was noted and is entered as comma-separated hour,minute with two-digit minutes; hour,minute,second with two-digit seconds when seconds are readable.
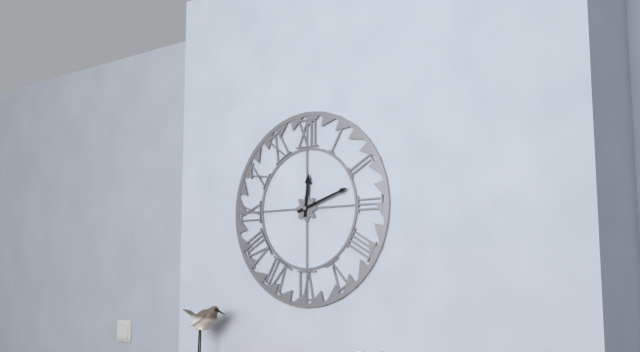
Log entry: 12,12
